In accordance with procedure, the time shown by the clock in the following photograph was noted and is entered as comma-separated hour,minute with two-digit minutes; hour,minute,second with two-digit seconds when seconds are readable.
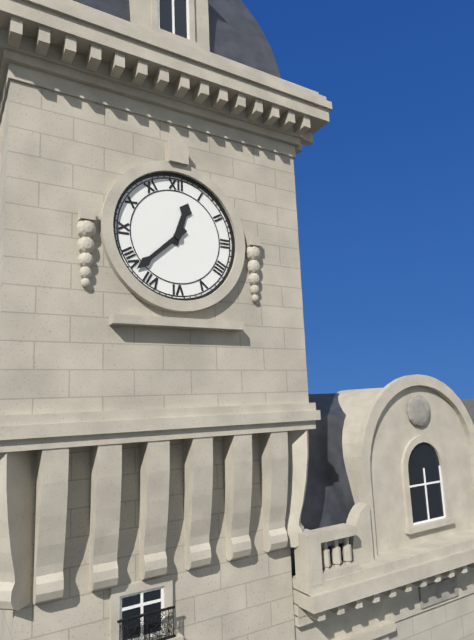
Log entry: 12,38
